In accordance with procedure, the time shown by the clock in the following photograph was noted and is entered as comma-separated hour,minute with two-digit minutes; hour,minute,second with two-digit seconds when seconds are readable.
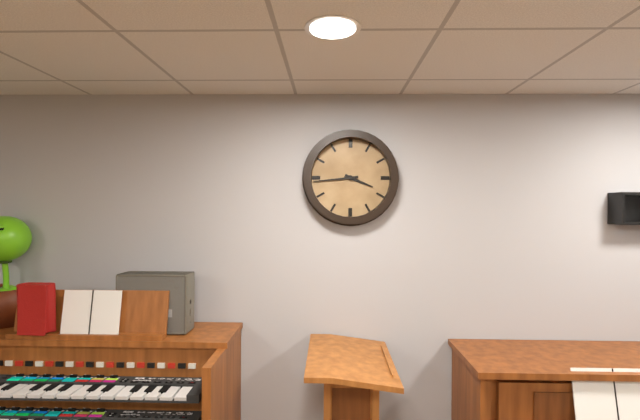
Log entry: 3,44
